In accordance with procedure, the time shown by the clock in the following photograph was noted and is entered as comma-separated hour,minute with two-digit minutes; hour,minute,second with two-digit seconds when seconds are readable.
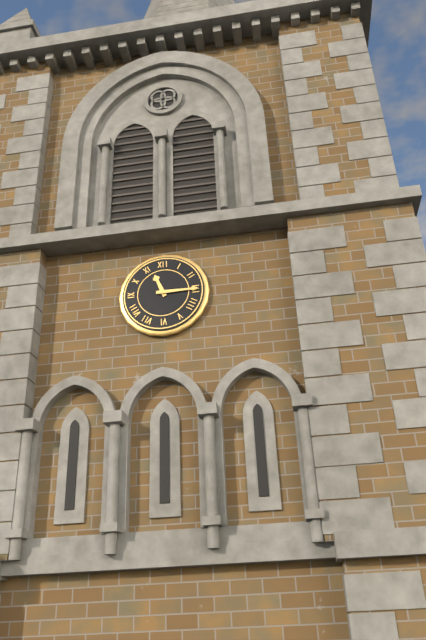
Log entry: 11,15
